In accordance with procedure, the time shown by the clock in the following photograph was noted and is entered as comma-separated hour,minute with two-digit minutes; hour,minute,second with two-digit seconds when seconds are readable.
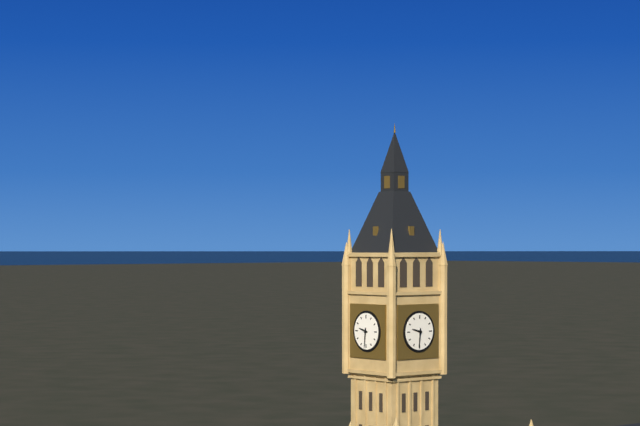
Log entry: 9,31
